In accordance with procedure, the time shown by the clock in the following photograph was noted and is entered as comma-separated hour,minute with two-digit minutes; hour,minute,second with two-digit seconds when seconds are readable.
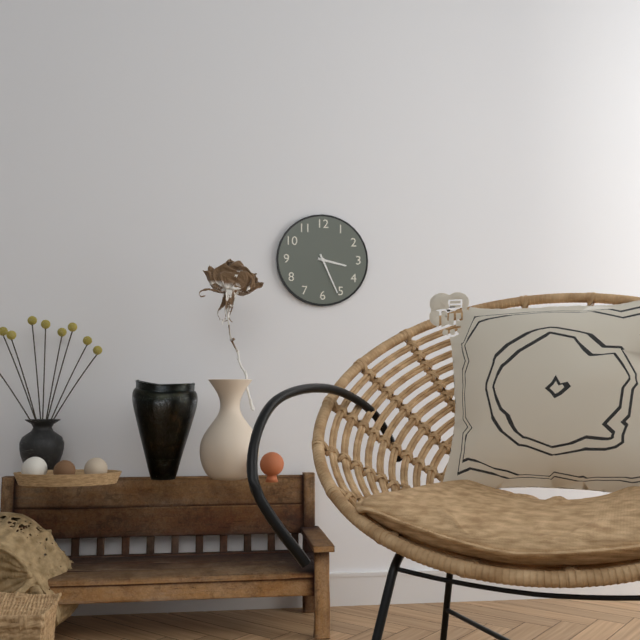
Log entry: 3,26
